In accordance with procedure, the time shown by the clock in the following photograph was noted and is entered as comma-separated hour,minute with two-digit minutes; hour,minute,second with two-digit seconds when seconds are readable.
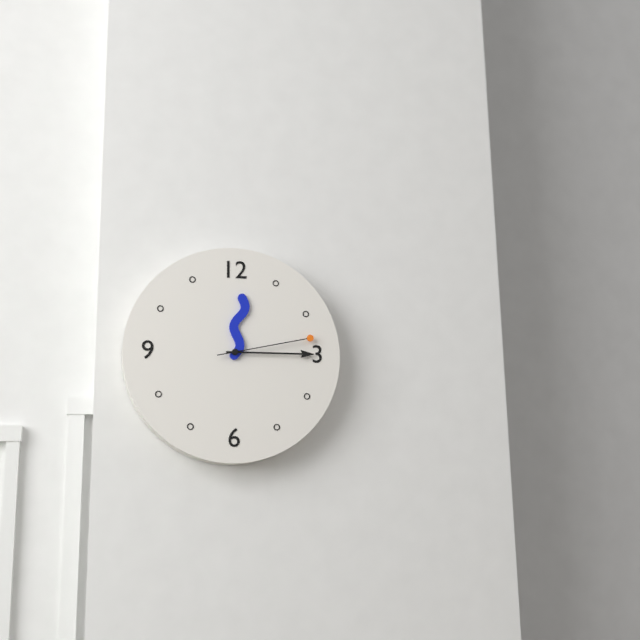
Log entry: 12,15,13
